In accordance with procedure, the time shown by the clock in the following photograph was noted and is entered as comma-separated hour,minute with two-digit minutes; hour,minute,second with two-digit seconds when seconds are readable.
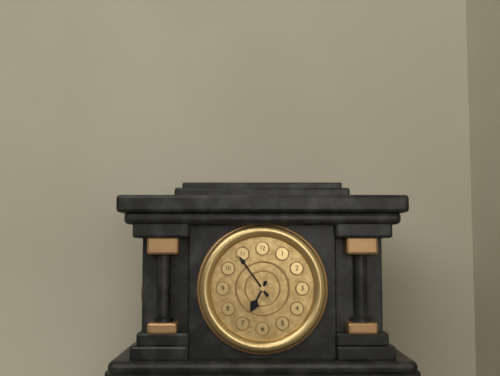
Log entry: 6,54
